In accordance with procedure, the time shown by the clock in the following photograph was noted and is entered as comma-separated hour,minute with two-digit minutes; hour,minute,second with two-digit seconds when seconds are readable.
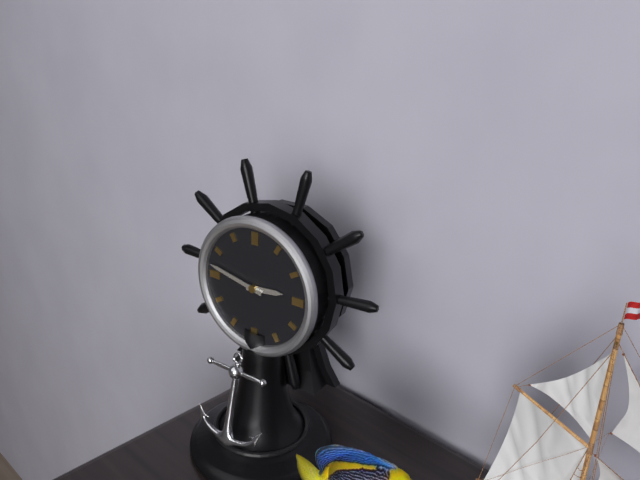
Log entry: 2,47
